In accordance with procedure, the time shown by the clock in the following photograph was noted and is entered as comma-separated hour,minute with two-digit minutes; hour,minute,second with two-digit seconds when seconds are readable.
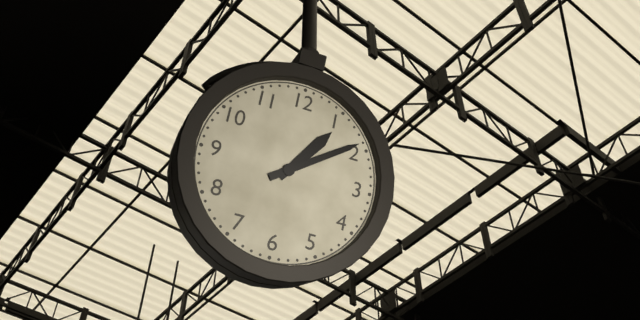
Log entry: 1,09
